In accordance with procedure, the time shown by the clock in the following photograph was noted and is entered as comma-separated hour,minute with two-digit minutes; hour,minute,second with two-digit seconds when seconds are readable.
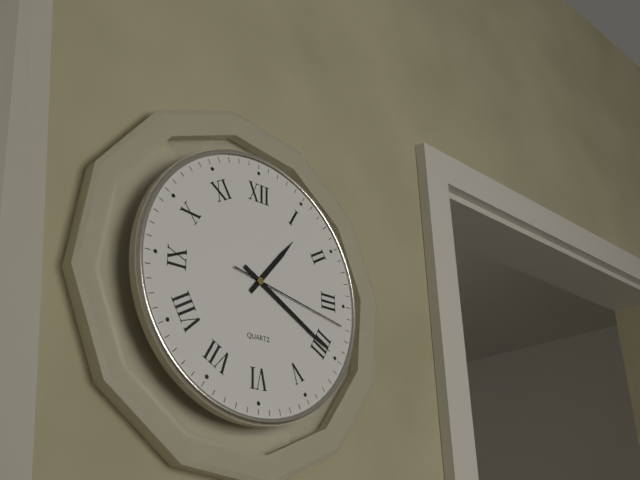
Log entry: 1,20,17
